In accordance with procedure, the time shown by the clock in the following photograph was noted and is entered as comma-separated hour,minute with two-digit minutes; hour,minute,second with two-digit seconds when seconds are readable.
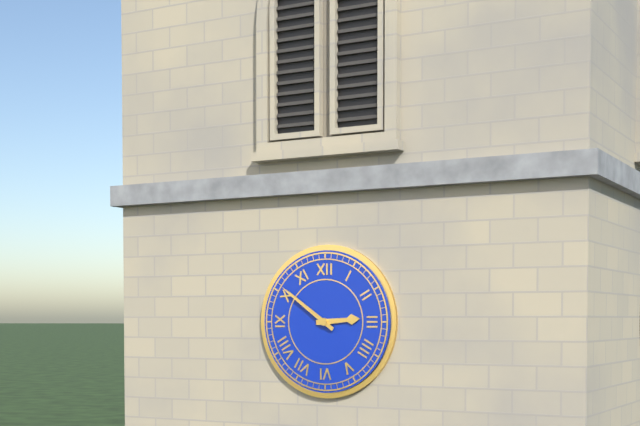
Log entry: 2,51
